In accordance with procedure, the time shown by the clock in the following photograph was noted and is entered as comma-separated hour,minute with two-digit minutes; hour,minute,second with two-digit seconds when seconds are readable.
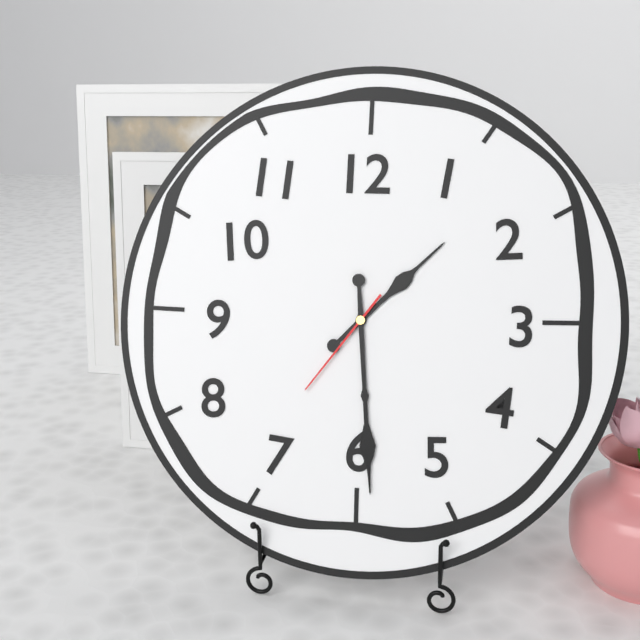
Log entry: 1,29,36
